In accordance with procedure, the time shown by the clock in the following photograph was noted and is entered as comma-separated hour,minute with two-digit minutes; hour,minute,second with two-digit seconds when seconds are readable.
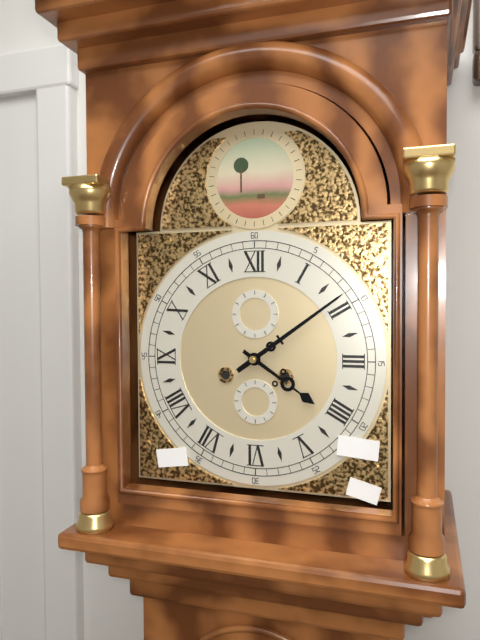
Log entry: 4,09
